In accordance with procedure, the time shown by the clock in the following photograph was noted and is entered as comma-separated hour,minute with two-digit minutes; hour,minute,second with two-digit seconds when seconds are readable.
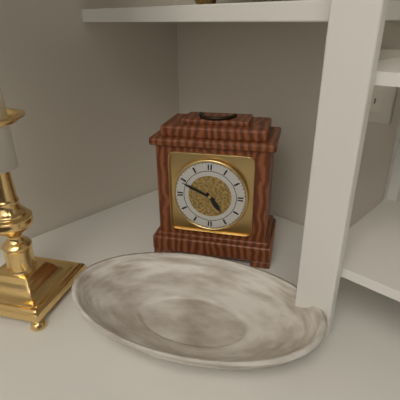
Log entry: 4,49
